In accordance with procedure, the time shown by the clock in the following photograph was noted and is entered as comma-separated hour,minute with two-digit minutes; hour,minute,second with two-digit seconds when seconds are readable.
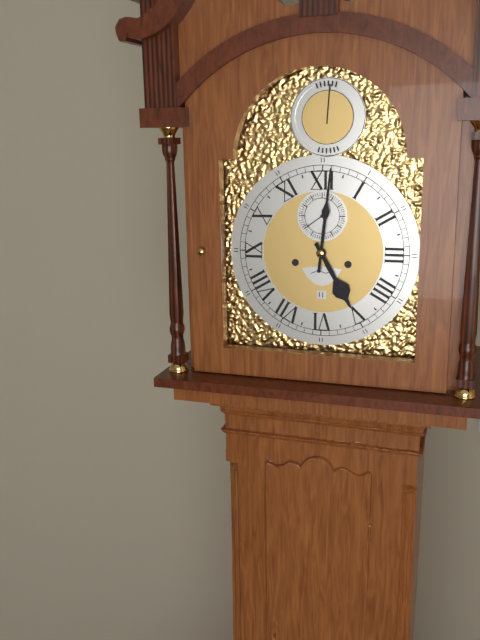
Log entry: 5,01
